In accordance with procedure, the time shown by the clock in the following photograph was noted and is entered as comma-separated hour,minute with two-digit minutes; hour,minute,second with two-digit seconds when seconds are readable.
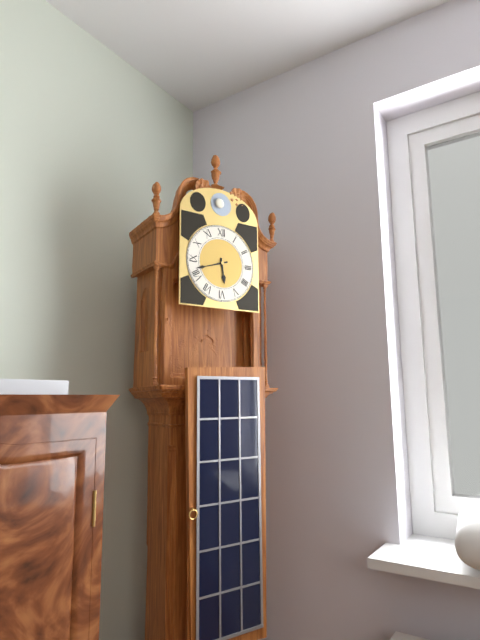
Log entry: 5,42
